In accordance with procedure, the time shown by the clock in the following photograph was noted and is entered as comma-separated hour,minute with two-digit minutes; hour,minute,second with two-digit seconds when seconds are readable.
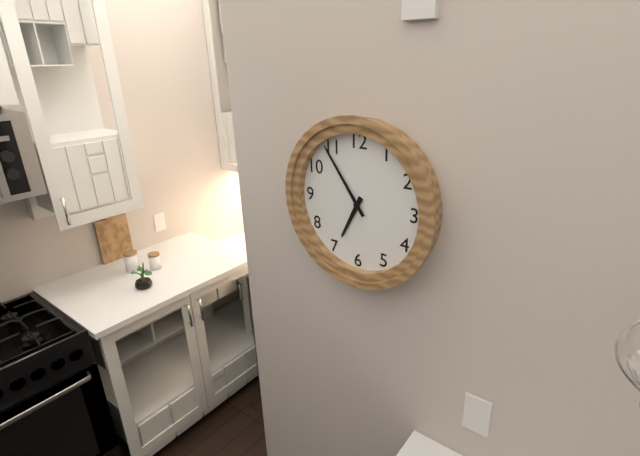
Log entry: 6,54
